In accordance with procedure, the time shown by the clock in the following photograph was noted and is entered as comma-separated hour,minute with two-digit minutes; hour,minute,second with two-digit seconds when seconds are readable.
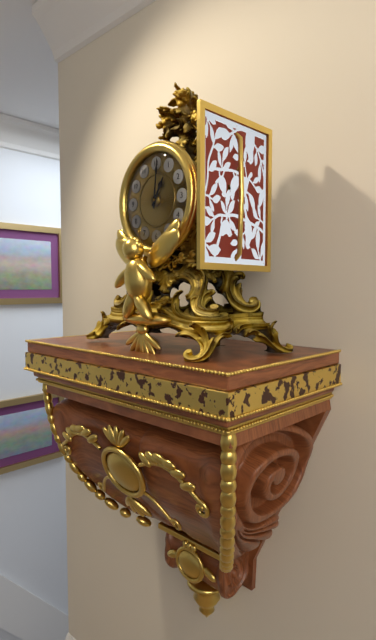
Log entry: 1,01
